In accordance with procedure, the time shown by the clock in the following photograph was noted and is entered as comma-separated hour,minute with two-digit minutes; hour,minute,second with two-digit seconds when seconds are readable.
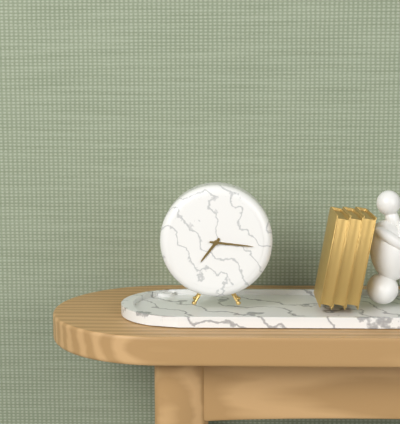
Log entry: 7,16
